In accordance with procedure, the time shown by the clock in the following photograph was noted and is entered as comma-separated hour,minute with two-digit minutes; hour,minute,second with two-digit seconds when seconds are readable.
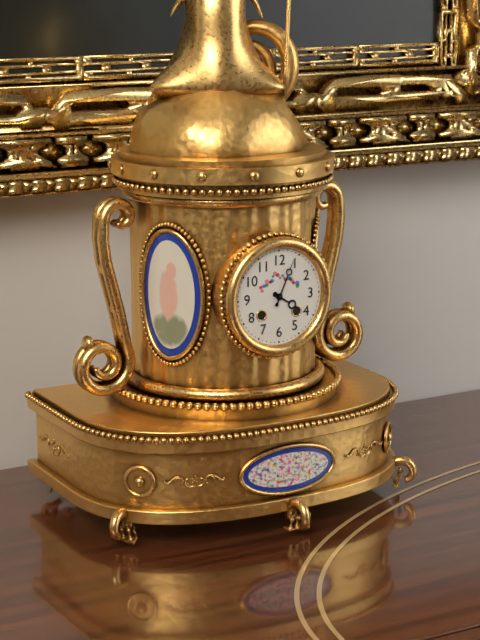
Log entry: 4,04
